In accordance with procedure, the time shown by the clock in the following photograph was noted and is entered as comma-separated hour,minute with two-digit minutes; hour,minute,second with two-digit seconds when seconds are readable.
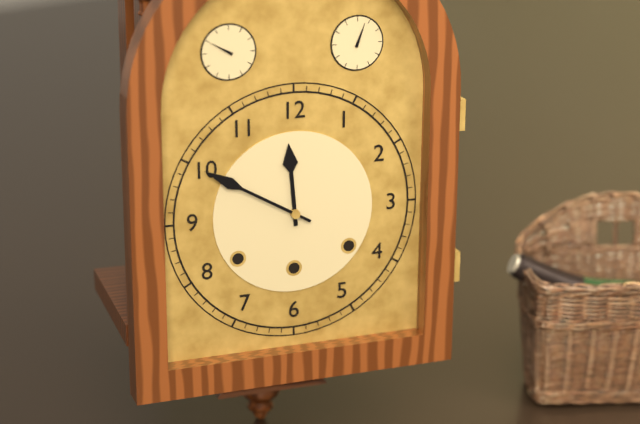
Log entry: 11,50
